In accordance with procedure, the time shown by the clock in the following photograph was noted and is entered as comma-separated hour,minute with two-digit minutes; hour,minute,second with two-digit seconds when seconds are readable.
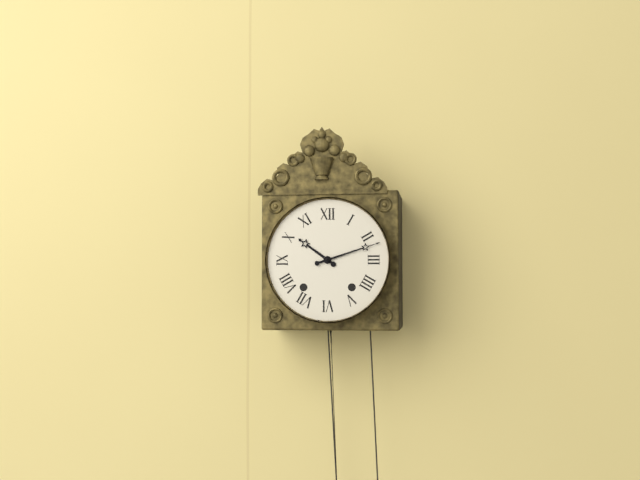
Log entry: 10,12
